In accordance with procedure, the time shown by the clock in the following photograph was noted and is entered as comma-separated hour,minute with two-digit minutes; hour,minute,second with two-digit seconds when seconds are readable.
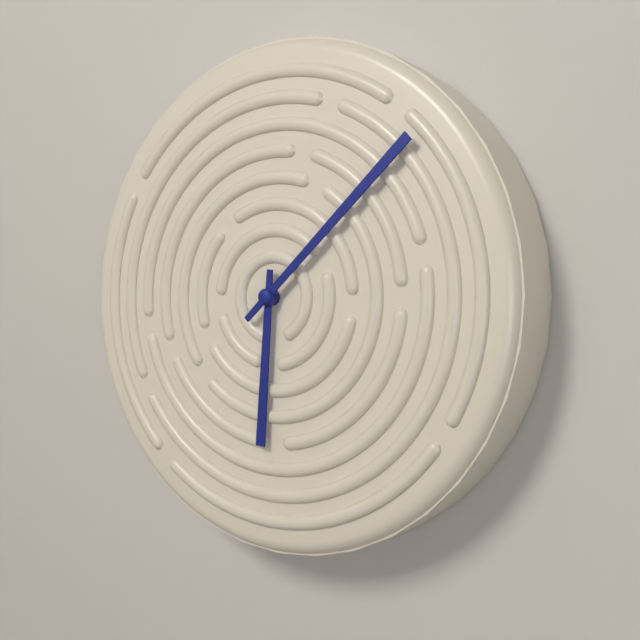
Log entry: 6,08
